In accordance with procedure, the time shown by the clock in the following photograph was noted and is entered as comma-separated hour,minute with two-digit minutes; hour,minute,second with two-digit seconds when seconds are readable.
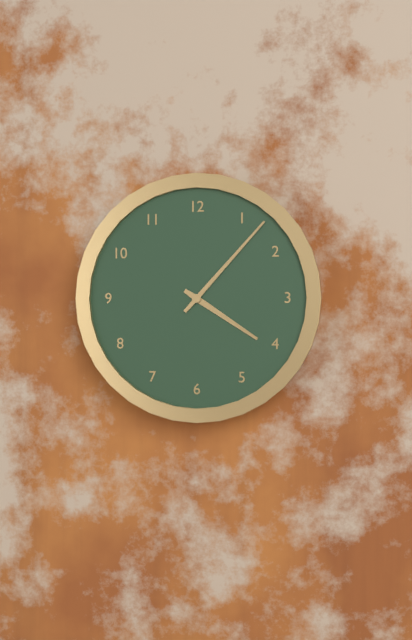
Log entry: 4,07
